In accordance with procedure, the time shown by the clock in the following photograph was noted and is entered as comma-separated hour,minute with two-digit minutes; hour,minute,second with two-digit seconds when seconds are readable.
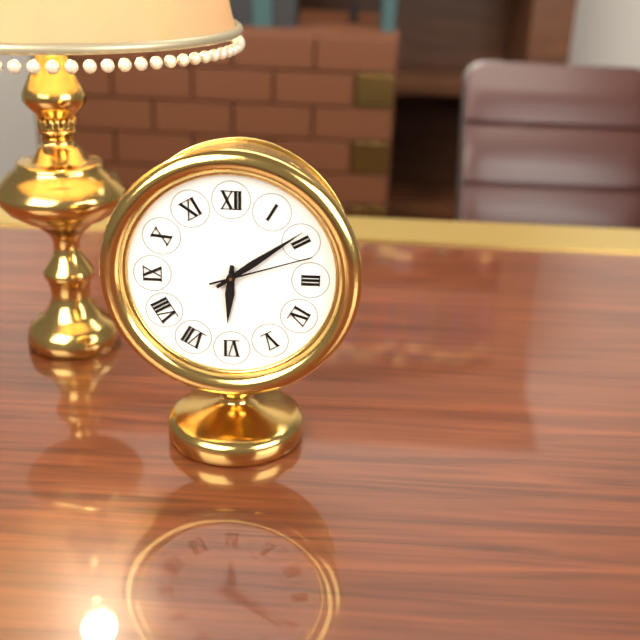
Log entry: 6,09,12
